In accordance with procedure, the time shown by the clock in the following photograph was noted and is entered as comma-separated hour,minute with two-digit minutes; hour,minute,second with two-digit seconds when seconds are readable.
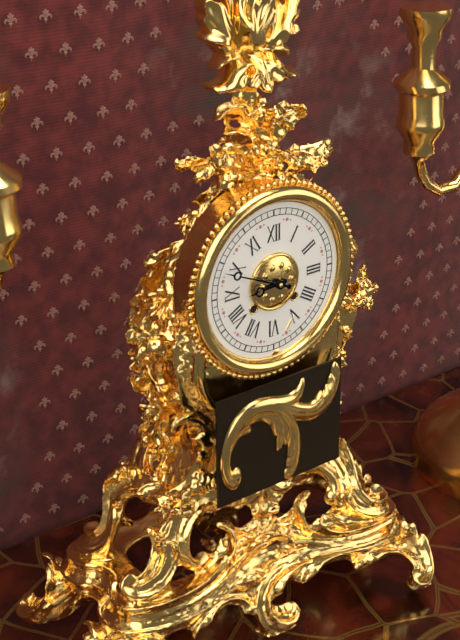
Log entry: 8,49
